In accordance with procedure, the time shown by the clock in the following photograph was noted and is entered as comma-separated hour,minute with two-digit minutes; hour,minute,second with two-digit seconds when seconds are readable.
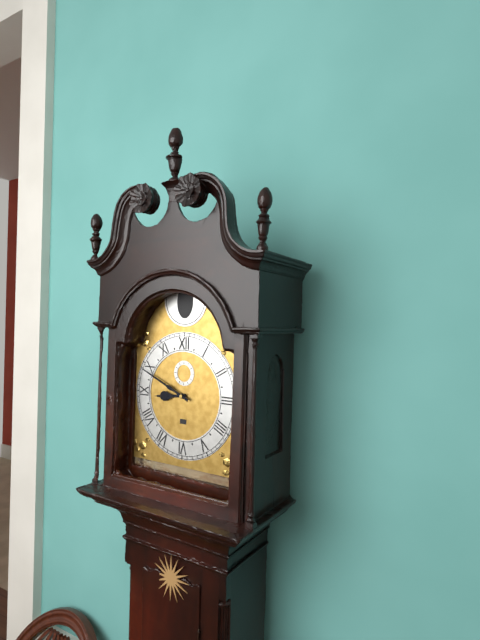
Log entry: 8,49
